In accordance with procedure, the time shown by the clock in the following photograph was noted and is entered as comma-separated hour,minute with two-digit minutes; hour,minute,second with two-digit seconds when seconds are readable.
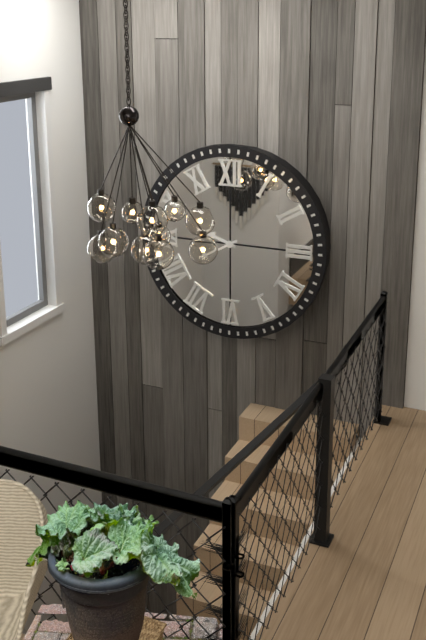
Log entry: 9,40
